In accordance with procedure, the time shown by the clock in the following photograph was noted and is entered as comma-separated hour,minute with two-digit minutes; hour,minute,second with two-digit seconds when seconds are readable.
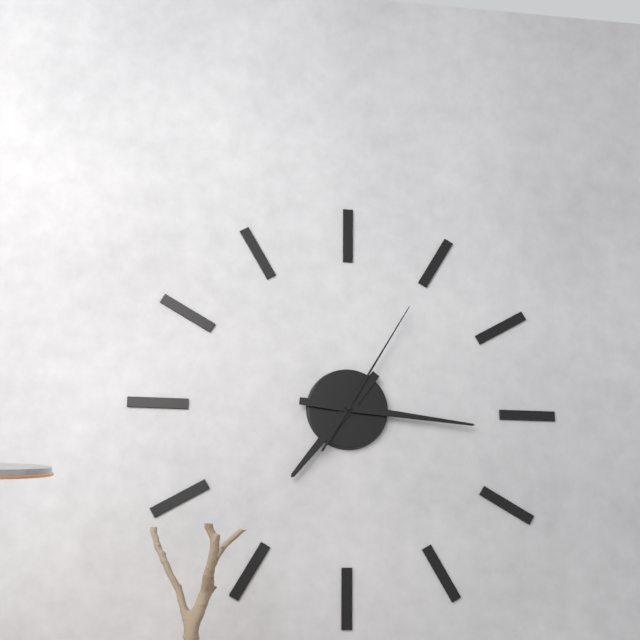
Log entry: 7,16,05
